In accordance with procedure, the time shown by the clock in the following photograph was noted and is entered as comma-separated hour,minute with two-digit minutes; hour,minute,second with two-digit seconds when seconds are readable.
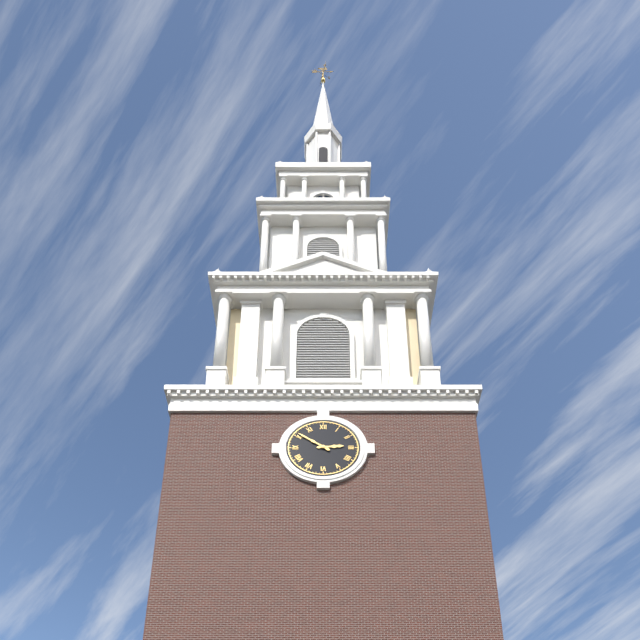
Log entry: 2,51
